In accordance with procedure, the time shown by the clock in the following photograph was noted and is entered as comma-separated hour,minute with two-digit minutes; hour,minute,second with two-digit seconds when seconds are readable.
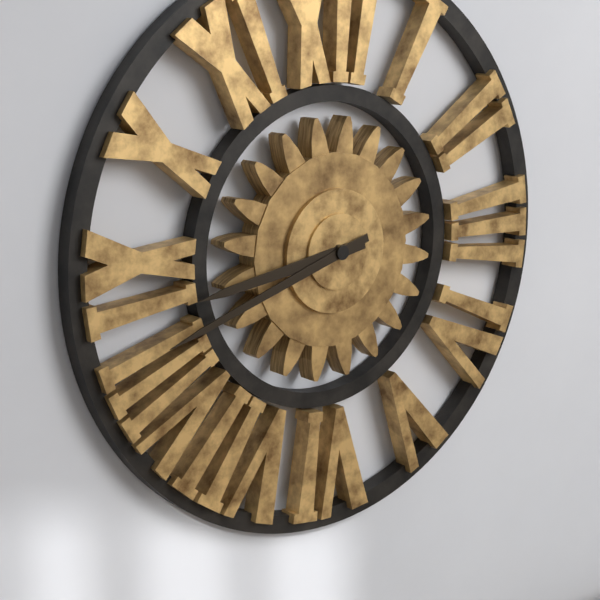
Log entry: 8,42
